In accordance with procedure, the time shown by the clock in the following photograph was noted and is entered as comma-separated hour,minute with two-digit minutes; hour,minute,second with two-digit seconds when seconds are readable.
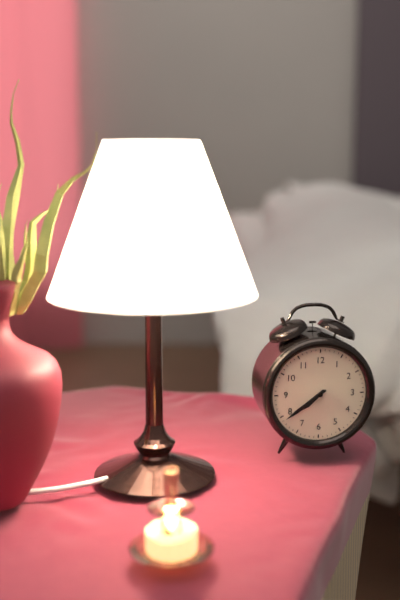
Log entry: 7,39
